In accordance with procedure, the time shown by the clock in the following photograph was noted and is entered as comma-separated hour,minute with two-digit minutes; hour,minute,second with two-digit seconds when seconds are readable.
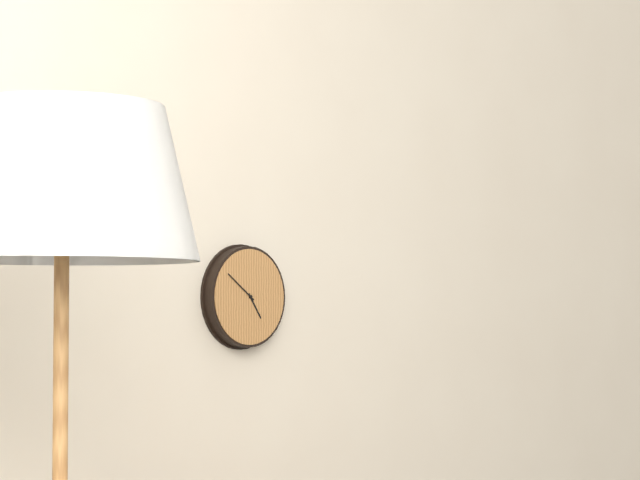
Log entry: 4,51
